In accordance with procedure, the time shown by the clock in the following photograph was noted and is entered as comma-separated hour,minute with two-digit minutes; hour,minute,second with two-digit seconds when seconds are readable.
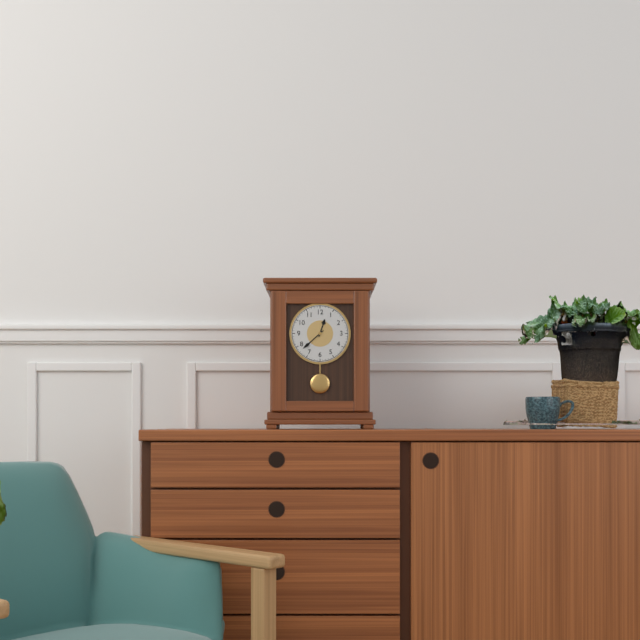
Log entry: 12,38
